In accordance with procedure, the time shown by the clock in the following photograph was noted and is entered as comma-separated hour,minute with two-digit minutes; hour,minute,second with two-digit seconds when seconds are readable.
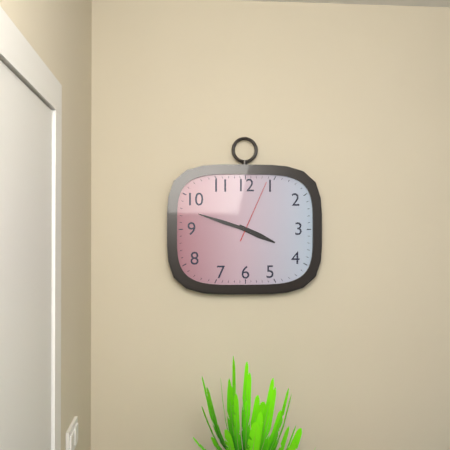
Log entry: 3,48,04
